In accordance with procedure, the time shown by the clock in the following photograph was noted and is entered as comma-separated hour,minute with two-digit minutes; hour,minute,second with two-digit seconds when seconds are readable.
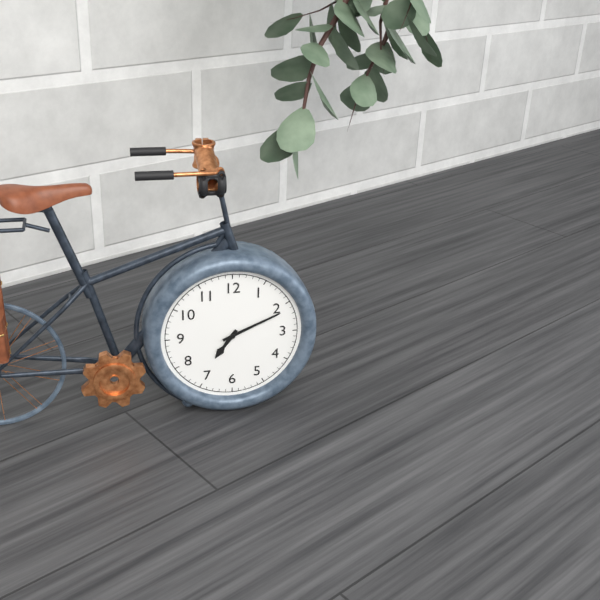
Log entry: 7,11
